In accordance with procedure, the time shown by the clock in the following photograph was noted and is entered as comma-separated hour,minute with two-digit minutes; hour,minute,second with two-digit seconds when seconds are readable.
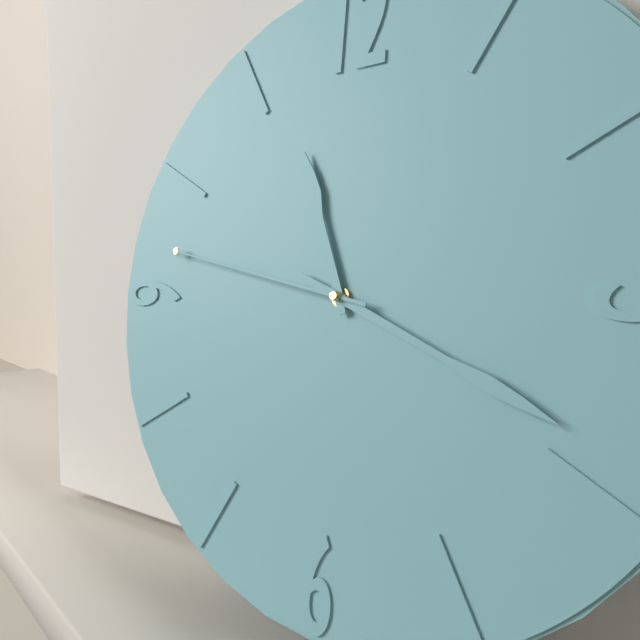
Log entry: 11,19,47
